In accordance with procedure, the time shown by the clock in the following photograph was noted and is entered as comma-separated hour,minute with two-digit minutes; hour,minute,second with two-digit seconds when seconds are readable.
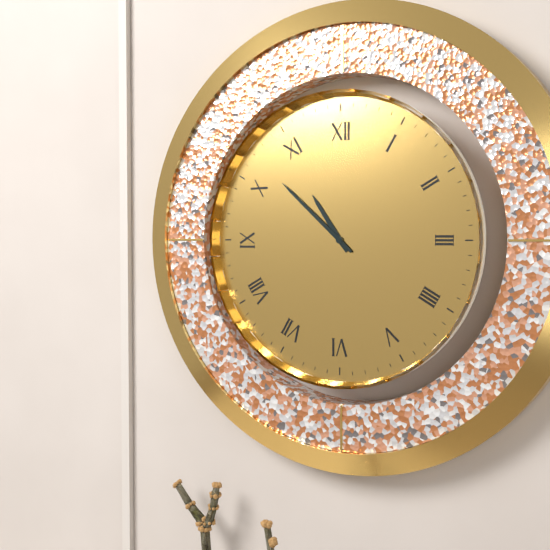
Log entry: 10,52
